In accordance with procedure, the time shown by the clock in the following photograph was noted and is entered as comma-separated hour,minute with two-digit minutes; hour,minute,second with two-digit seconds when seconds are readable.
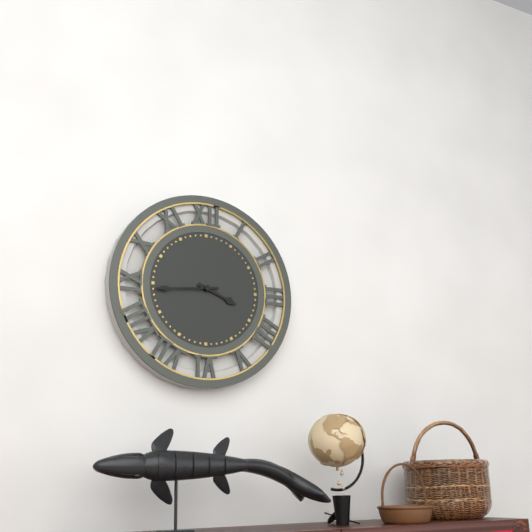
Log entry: 3,44
